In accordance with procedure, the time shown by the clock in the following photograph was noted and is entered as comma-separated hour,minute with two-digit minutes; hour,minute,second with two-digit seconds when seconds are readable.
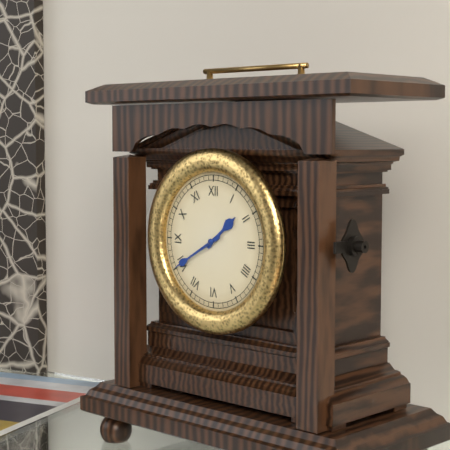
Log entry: 1,40
